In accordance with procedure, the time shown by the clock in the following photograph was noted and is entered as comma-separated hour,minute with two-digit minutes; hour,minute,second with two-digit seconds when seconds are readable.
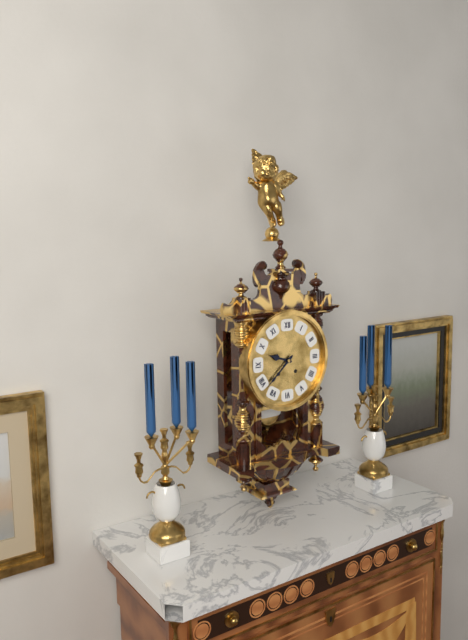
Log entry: 9,38
